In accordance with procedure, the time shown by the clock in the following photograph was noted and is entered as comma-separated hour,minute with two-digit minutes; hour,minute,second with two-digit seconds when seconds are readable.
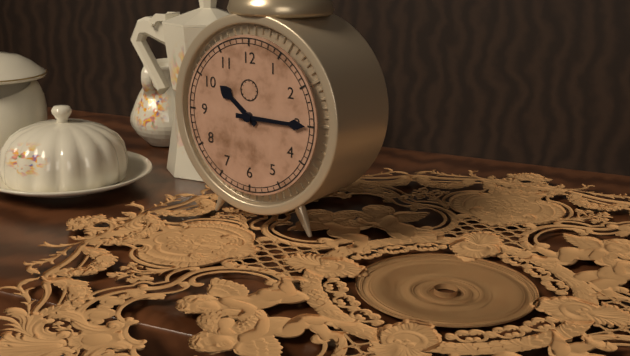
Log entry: 10,15
